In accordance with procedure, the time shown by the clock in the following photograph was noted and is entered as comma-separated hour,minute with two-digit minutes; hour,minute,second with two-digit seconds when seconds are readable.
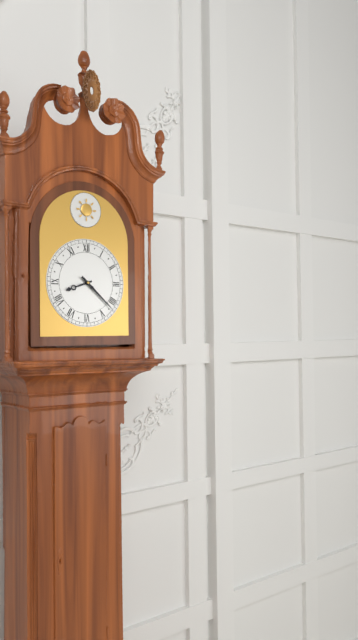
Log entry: 8,22
